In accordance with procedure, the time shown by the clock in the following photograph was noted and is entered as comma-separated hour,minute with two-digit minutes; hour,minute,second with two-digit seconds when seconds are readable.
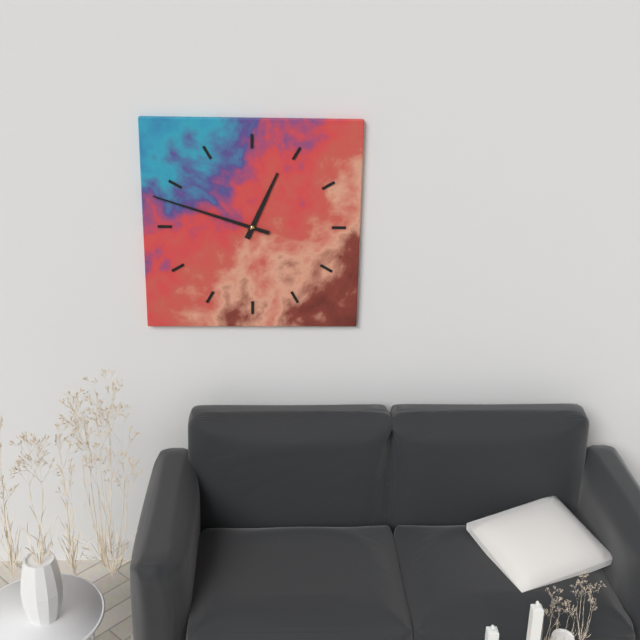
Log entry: 12,48
